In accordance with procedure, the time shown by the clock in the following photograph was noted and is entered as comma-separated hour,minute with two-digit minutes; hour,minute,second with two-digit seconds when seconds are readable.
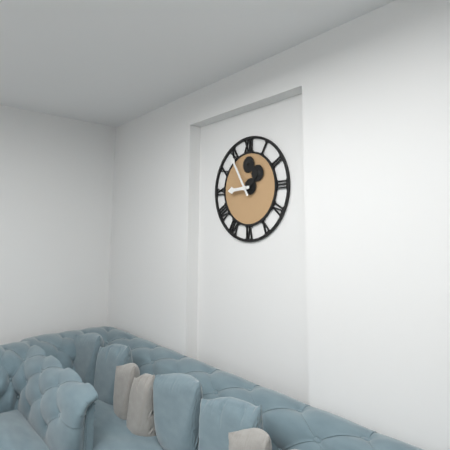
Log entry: 8,55
